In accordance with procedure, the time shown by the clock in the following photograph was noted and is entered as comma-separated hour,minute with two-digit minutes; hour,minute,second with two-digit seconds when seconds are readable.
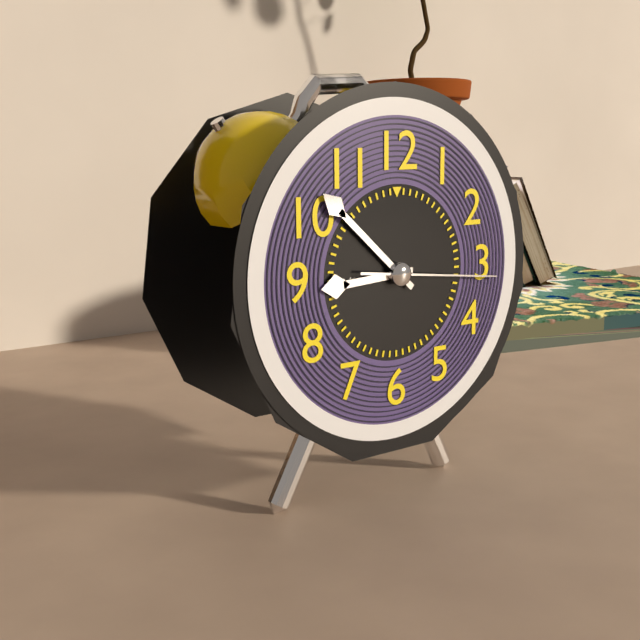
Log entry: 8,52,16
